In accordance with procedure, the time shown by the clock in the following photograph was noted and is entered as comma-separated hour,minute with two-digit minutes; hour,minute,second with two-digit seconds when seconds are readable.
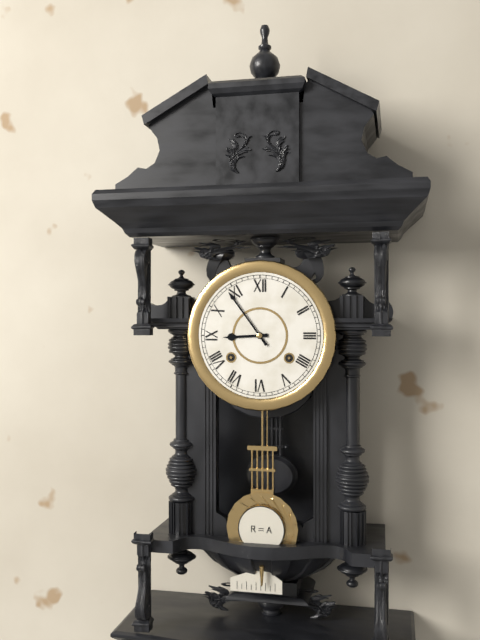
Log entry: 8,54
